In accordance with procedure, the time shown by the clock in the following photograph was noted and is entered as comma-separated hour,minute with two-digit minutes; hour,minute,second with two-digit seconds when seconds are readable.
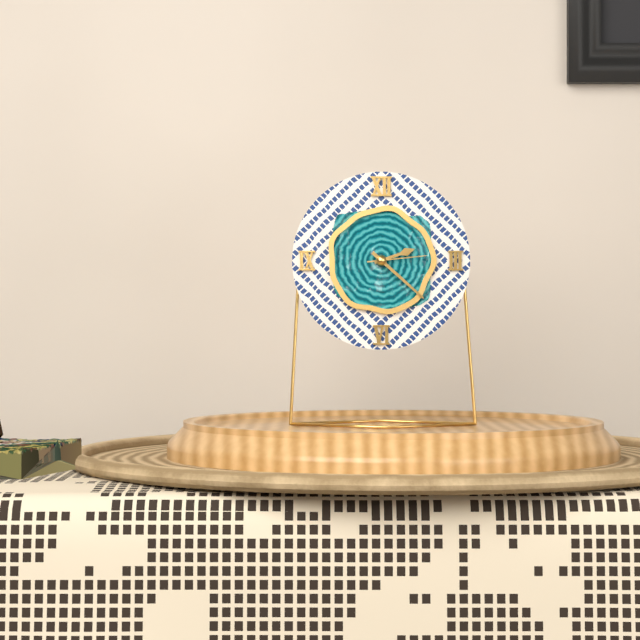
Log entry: 2,22,14
